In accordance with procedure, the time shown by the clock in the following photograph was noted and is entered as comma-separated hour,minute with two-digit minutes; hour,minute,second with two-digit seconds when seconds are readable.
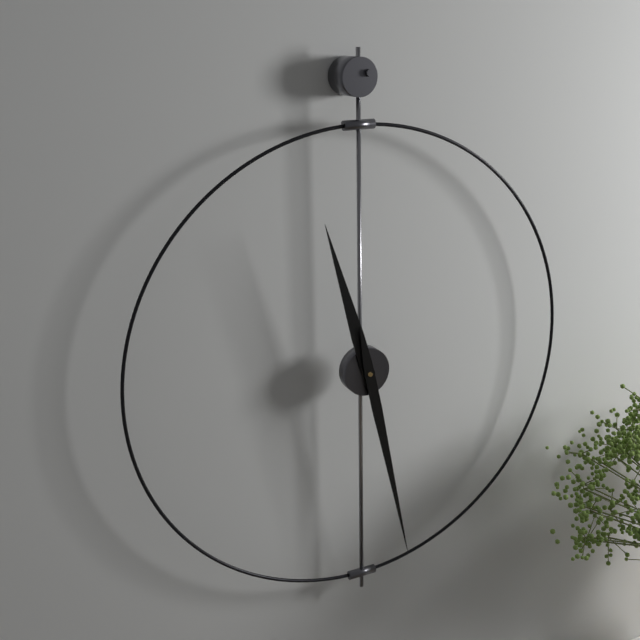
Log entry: 11,28
